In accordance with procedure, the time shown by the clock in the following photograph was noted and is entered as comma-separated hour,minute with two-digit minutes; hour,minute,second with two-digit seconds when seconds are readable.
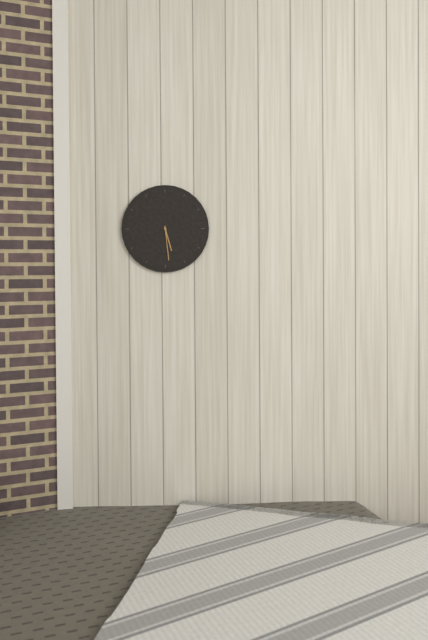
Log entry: 5,29
